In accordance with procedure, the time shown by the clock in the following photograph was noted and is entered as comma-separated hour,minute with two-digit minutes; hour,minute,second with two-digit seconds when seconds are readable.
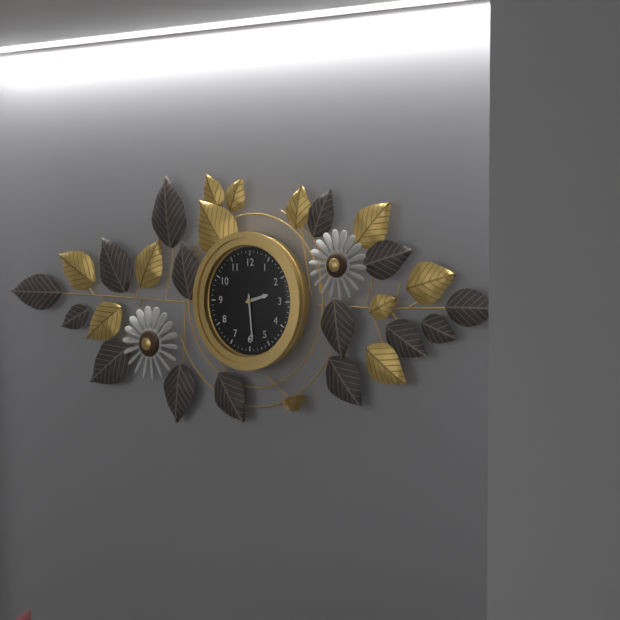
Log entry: 2,29
